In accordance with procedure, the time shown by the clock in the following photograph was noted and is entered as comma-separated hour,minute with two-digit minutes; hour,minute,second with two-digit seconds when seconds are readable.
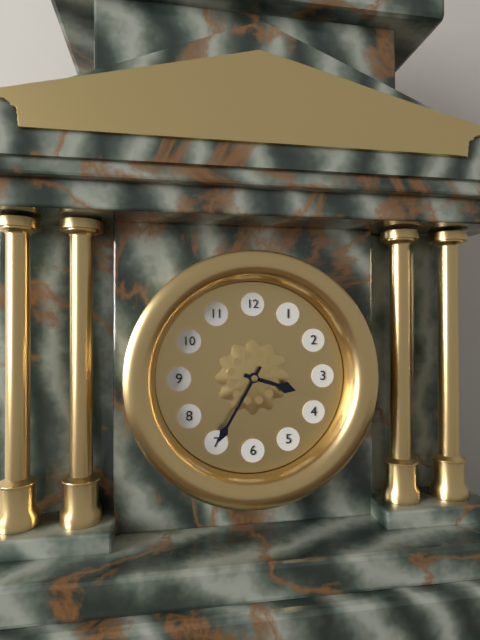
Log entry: 3,35
